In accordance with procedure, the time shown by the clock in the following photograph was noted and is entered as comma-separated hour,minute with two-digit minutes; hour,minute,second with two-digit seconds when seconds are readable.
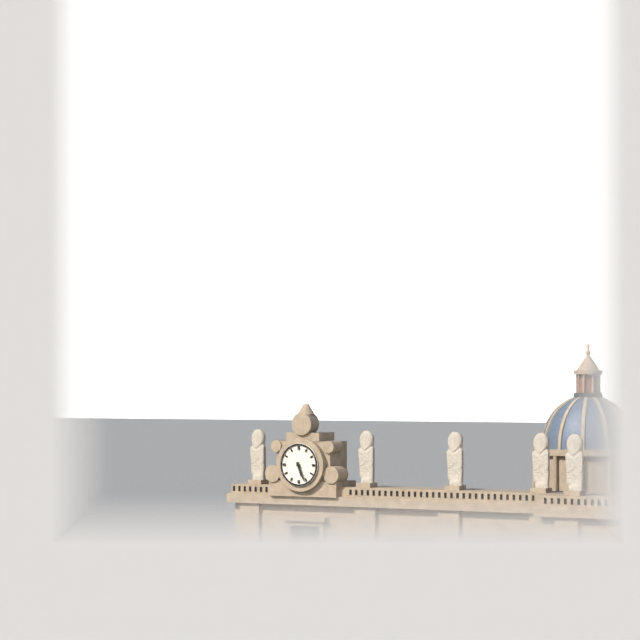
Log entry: 5,26
